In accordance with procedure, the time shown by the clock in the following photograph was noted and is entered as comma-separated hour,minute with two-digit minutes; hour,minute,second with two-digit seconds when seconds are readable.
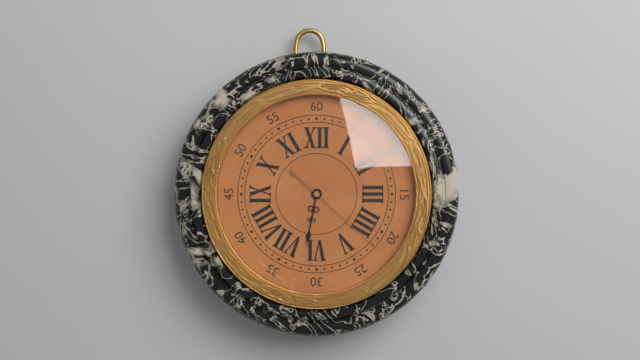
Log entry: 6,22
